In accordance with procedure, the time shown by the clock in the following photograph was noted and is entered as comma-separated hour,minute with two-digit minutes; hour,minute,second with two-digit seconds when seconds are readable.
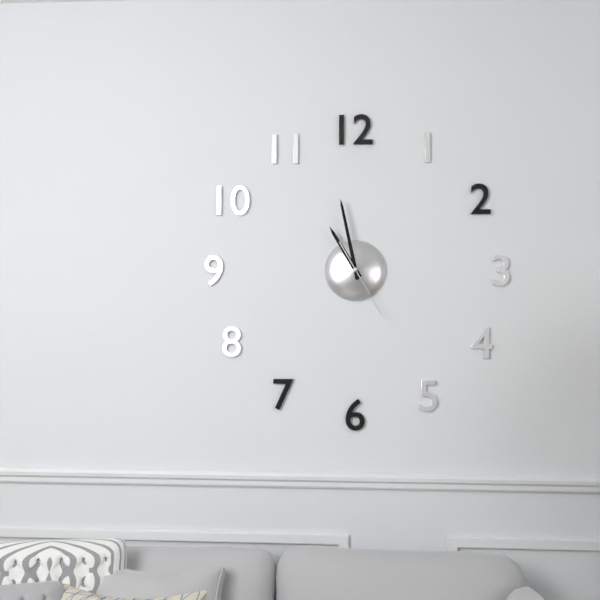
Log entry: 10,58,25
